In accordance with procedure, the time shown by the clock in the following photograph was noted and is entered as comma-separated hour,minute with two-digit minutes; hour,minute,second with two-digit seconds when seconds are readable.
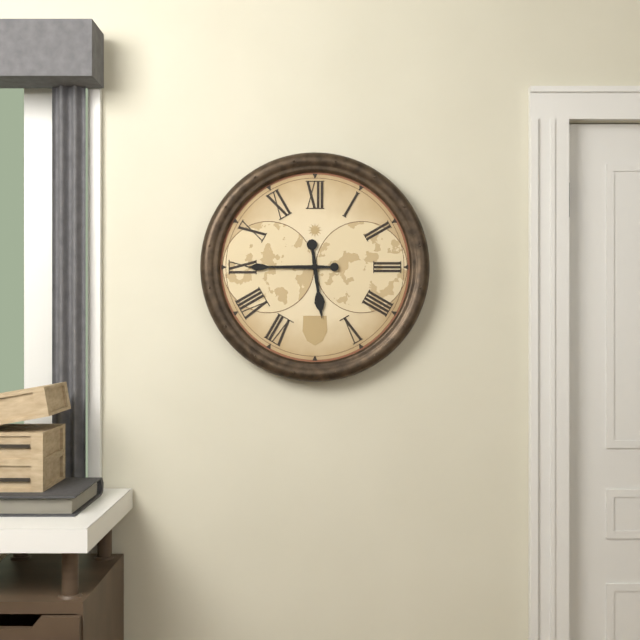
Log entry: 5,45
